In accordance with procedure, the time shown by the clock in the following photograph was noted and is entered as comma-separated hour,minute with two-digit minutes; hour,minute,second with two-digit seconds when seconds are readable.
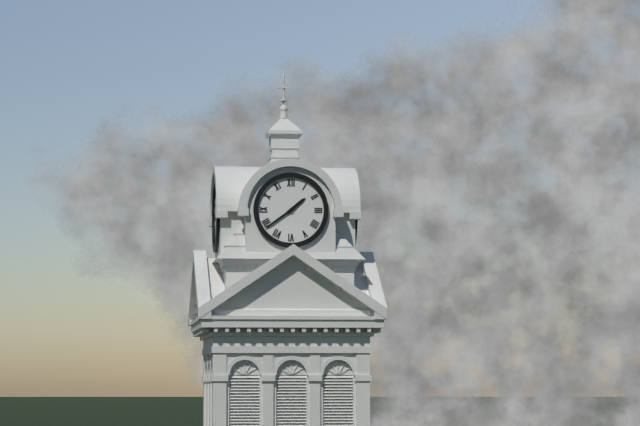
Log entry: 1,39
